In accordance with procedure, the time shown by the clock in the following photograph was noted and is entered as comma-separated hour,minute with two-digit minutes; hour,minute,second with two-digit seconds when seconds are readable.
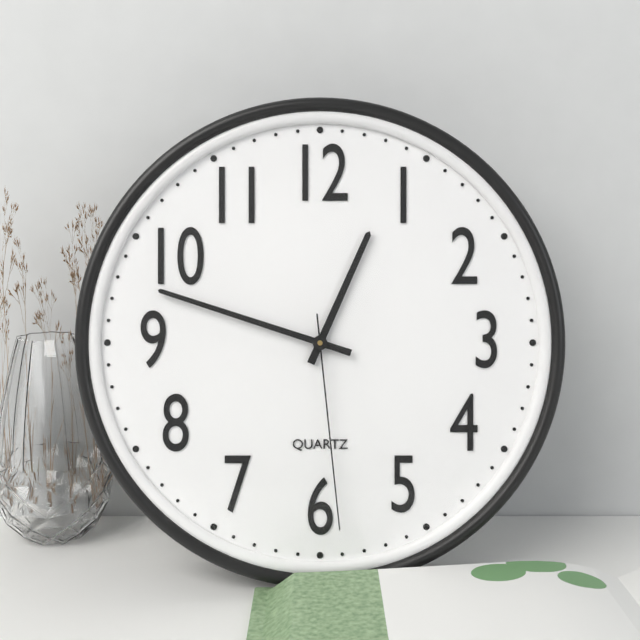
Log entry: 12,48,29
